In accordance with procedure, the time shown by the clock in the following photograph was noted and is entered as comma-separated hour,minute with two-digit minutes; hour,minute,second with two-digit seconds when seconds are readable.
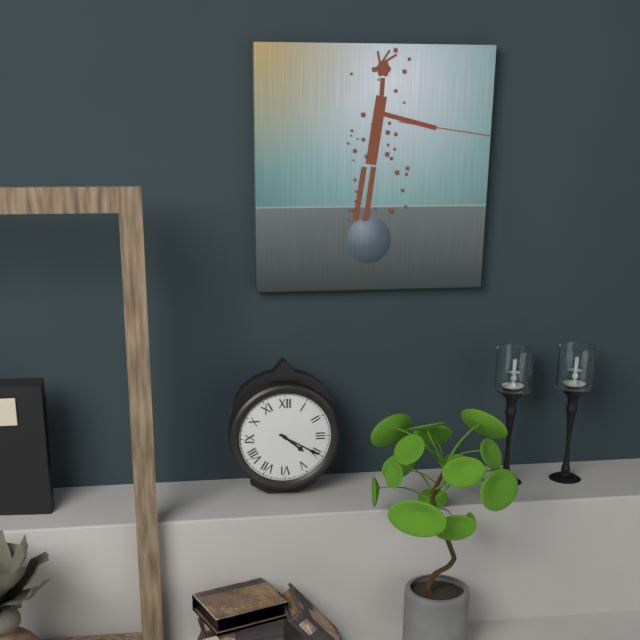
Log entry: 4,20
